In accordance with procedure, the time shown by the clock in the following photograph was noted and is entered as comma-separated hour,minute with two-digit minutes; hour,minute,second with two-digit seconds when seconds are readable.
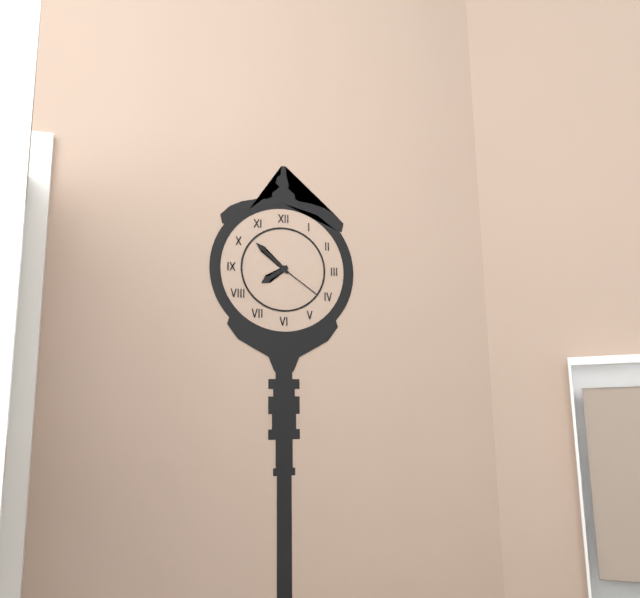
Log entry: 7,52,21
